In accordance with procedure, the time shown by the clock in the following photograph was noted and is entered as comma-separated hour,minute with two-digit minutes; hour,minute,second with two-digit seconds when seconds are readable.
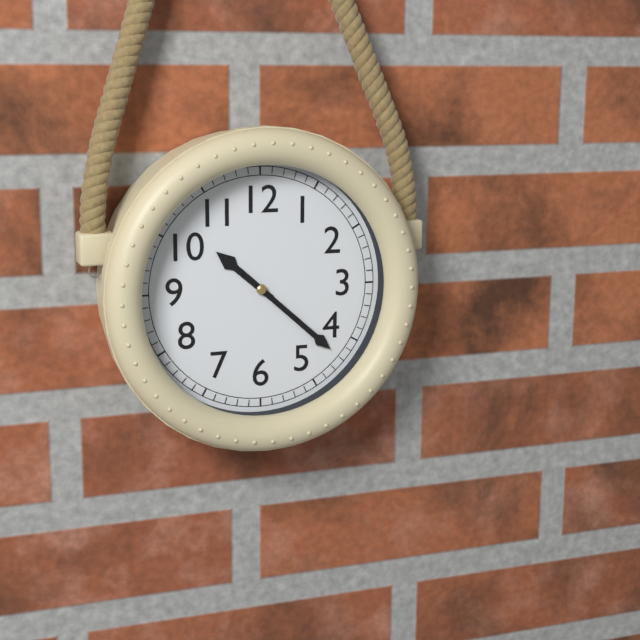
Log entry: 10,22
